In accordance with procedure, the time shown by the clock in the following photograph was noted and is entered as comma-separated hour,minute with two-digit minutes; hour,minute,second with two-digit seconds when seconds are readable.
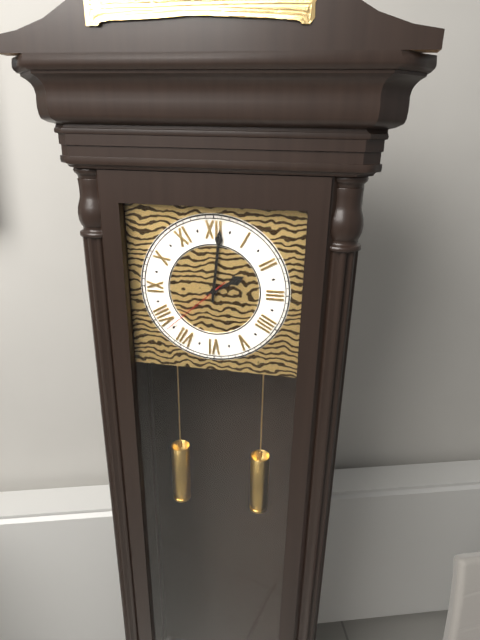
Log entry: 2,01,38
